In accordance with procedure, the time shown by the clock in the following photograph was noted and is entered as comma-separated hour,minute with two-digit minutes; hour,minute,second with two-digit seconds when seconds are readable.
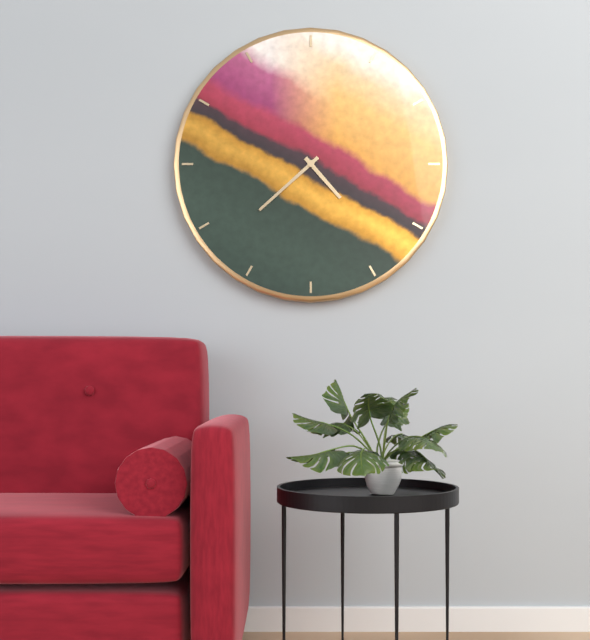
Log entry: 4,38
